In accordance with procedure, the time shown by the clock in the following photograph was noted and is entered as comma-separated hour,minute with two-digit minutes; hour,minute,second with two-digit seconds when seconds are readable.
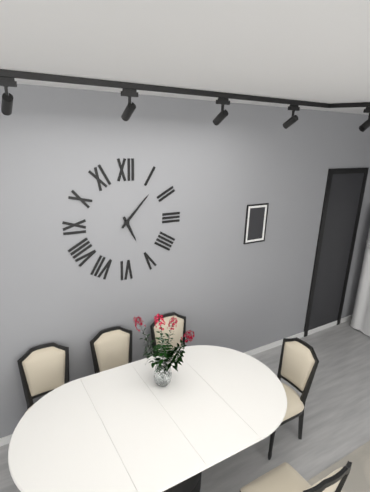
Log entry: 5,07
